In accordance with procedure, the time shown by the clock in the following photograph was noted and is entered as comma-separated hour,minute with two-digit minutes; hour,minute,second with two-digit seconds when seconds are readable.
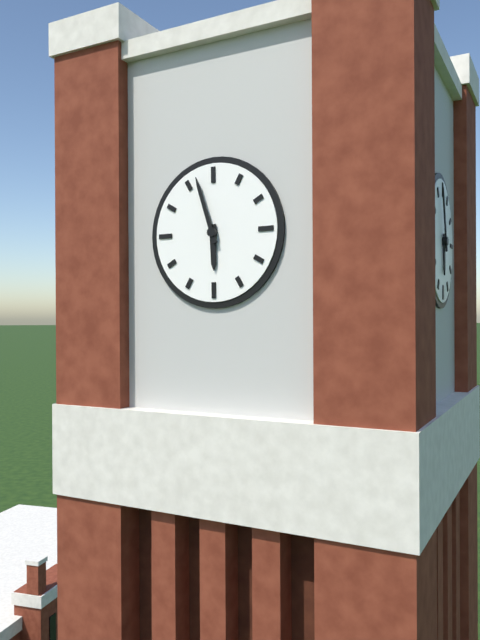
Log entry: 5,57
